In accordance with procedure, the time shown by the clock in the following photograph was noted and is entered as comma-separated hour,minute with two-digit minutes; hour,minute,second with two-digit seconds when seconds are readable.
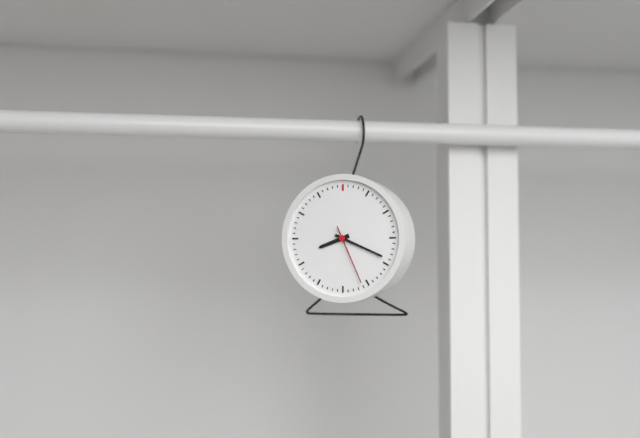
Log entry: 8,19,26
